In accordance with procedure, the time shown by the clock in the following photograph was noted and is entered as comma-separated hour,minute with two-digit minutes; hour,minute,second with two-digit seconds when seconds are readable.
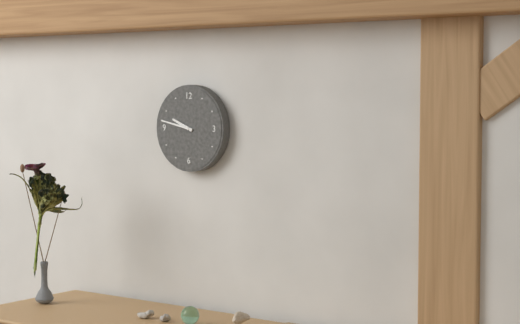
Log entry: 9,47
